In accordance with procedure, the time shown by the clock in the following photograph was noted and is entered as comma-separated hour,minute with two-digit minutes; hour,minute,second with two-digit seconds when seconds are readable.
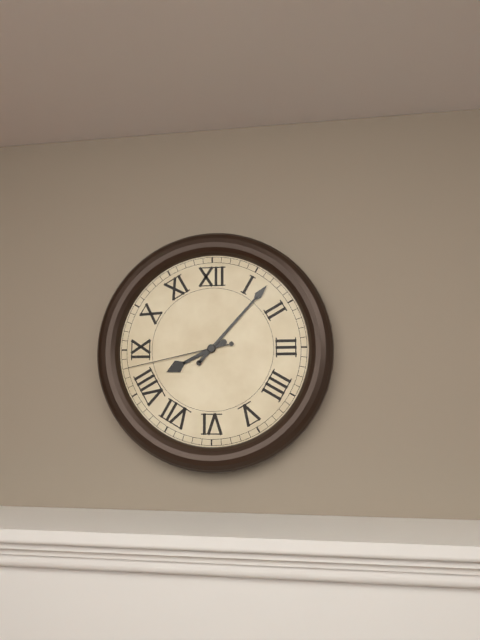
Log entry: 8,07,43
